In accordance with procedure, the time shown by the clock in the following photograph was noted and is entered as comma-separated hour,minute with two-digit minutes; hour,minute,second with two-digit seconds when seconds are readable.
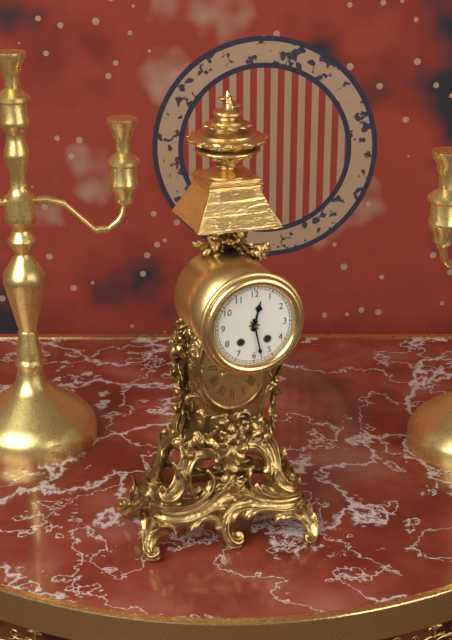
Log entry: 12,28
